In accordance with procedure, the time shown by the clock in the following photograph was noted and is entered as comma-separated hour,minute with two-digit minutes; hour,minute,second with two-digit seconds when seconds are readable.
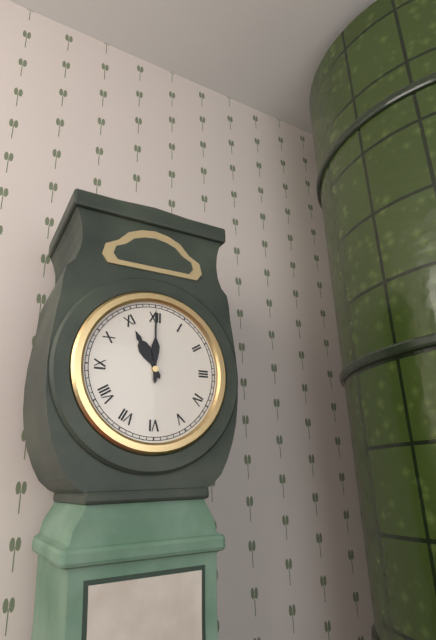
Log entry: 11,00
